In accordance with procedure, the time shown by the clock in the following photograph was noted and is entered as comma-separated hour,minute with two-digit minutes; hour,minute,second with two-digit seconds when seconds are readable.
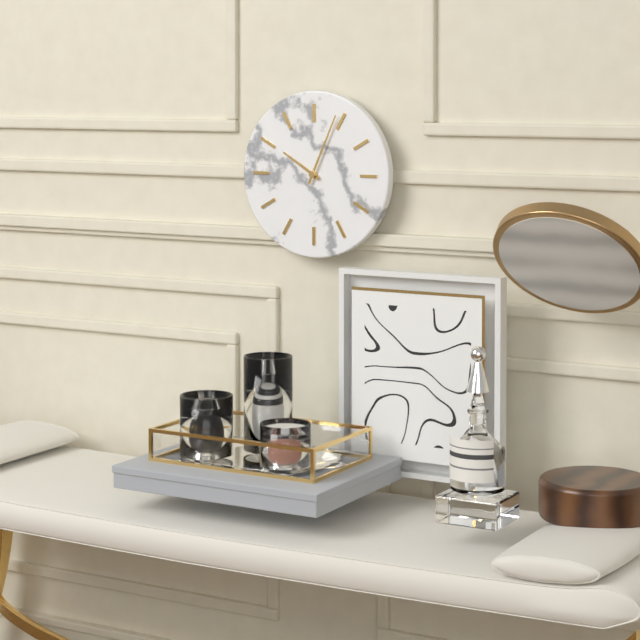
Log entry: 10,04
